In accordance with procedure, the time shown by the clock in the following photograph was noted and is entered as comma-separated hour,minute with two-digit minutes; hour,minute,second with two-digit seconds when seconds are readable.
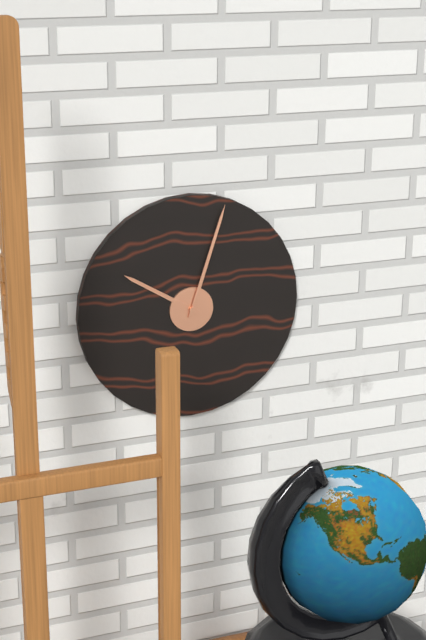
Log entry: 10,03
